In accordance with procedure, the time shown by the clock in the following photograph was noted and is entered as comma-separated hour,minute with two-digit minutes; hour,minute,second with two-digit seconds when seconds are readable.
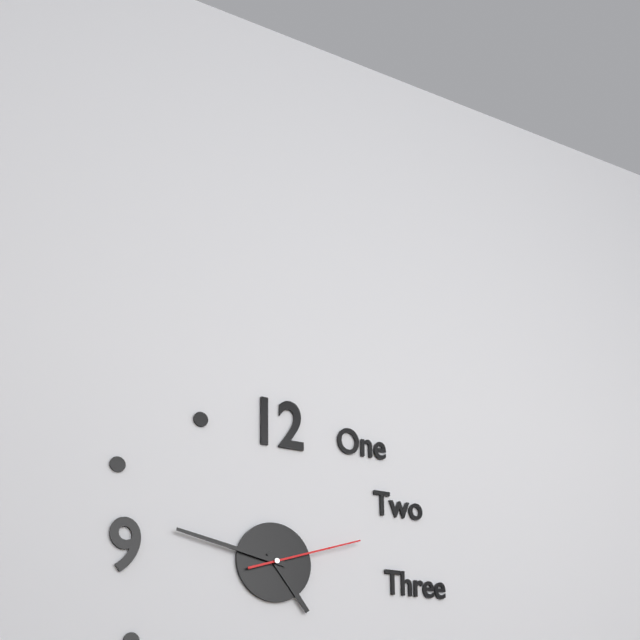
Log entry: 4,47,12
